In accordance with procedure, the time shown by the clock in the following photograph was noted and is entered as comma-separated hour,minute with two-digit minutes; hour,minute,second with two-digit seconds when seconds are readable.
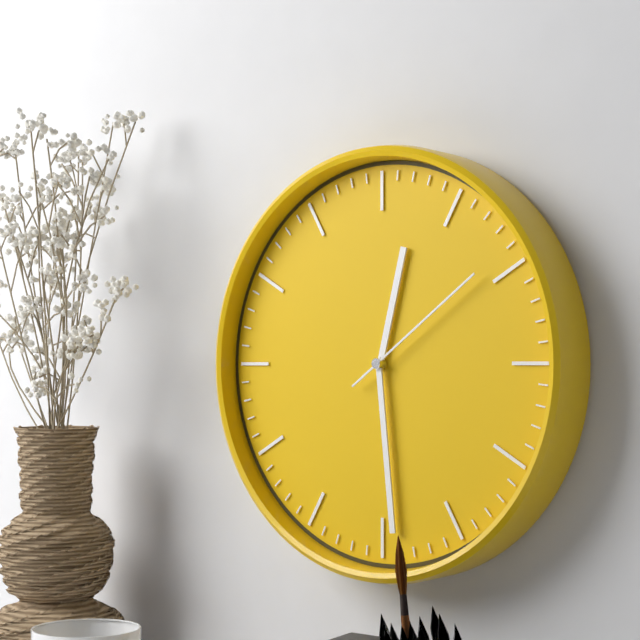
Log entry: 12,29,09
